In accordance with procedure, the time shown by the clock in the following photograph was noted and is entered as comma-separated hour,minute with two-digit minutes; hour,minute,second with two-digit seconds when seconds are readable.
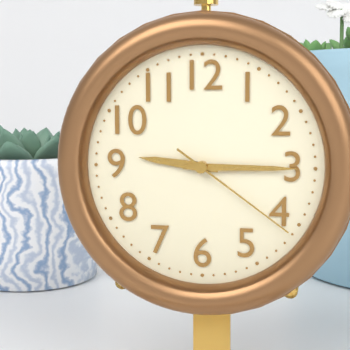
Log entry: 9,15,21
